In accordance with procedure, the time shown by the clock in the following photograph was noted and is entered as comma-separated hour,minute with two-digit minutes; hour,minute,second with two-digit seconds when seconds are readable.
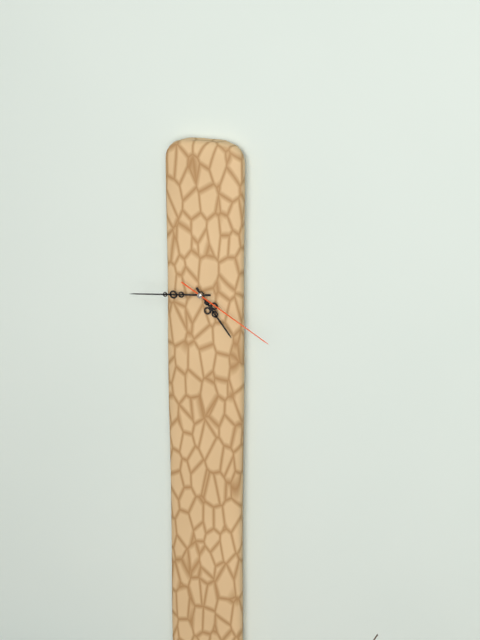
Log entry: 4,44,20
